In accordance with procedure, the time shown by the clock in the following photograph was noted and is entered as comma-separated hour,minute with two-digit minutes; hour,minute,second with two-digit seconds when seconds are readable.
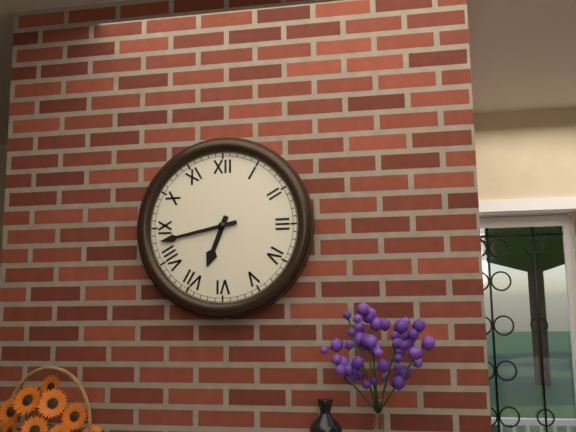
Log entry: 6,43
